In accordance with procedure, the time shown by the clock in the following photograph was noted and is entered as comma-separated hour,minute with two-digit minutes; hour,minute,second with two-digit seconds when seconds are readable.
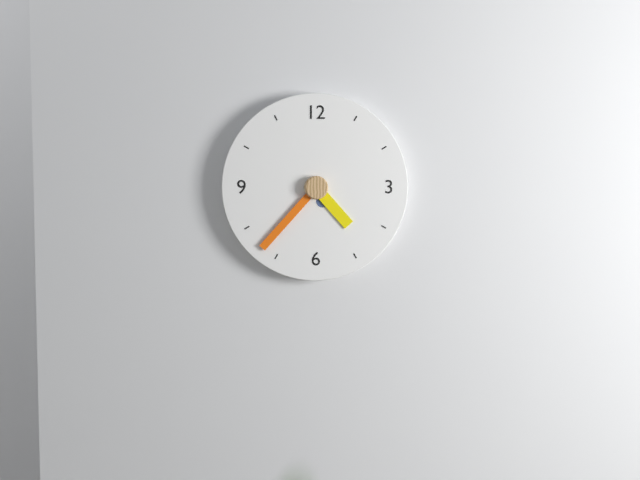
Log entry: 4,37
